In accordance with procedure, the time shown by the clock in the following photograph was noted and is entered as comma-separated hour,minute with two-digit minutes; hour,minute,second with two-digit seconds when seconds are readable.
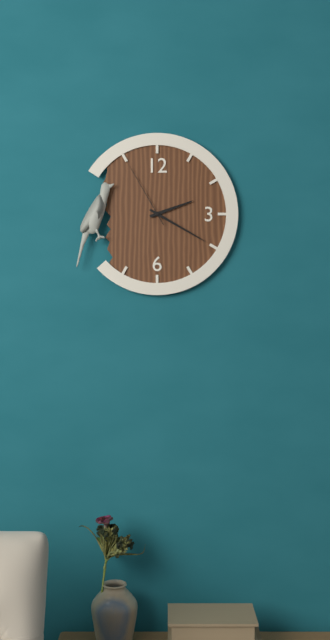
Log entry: 2,20,55
